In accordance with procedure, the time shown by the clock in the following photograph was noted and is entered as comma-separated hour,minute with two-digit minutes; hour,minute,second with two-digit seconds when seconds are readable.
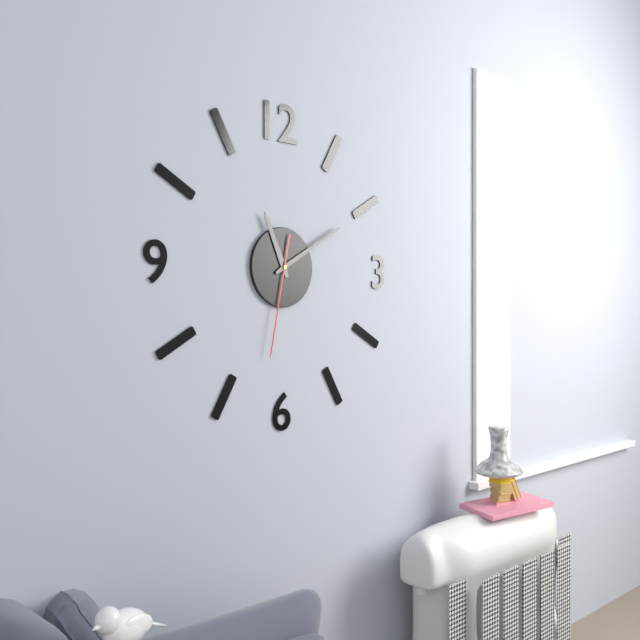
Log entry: 11,10,32
